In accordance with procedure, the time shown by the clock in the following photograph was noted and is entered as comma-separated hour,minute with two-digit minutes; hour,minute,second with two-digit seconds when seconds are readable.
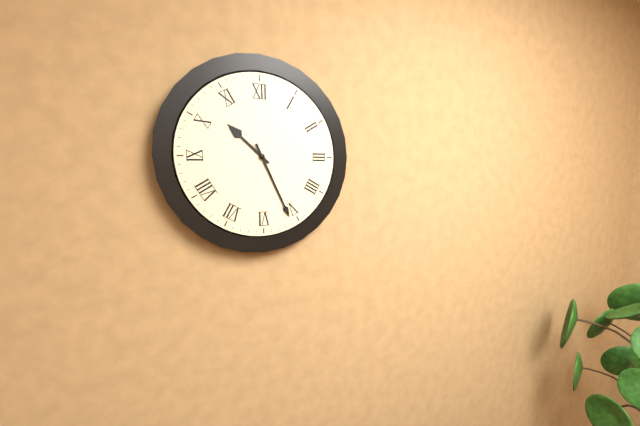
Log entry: 10,26
